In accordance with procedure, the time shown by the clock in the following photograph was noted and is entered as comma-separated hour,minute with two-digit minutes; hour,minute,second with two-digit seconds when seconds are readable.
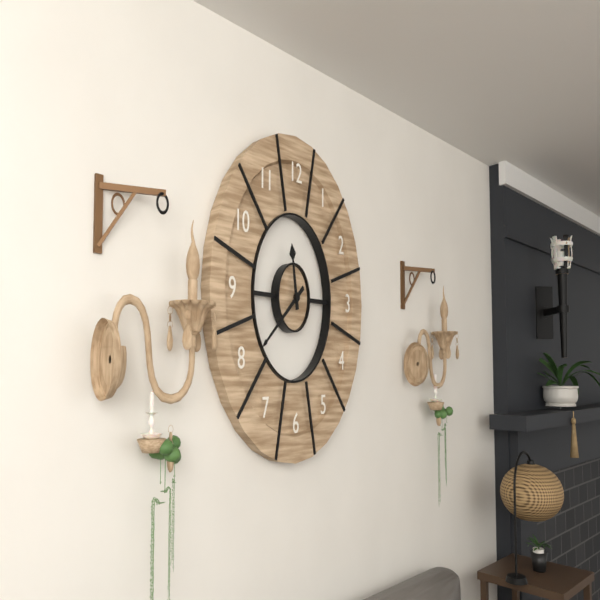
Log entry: 11,39
